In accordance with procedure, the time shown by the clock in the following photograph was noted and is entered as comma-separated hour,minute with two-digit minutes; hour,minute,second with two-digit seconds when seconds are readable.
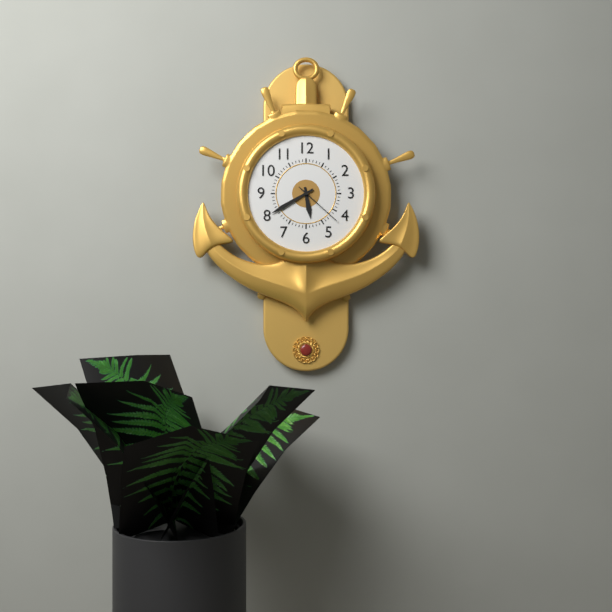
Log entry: 5,40,22
